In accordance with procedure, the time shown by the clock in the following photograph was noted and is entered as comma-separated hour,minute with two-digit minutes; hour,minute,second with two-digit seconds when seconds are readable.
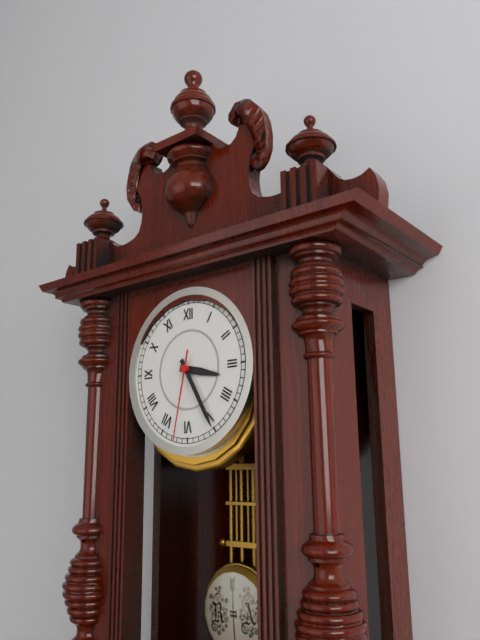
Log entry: 3,25,32
